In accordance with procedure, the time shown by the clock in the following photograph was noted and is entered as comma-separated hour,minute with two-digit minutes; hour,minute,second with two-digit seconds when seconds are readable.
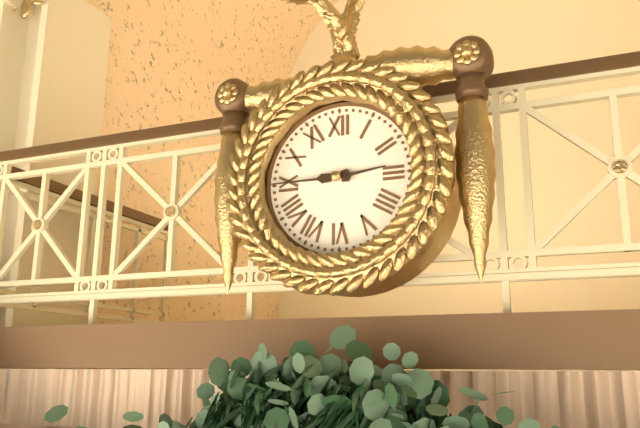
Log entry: 2,45
